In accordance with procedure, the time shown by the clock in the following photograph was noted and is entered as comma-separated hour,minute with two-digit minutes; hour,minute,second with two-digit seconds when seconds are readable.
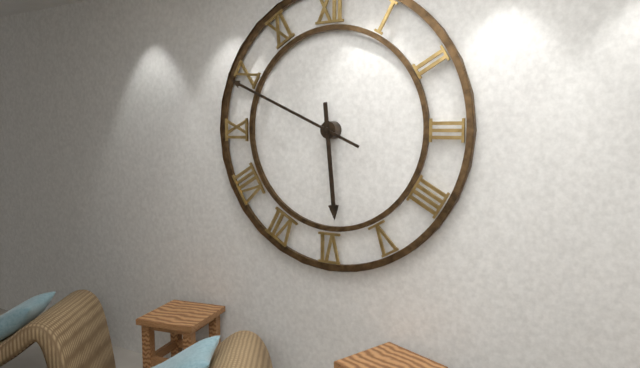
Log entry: 5,49
